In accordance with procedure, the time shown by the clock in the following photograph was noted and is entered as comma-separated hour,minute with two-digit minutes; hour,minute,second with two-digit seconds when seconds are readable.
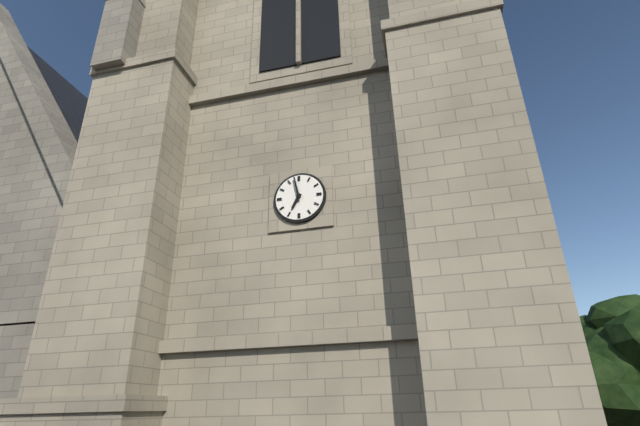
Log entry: 6,58
